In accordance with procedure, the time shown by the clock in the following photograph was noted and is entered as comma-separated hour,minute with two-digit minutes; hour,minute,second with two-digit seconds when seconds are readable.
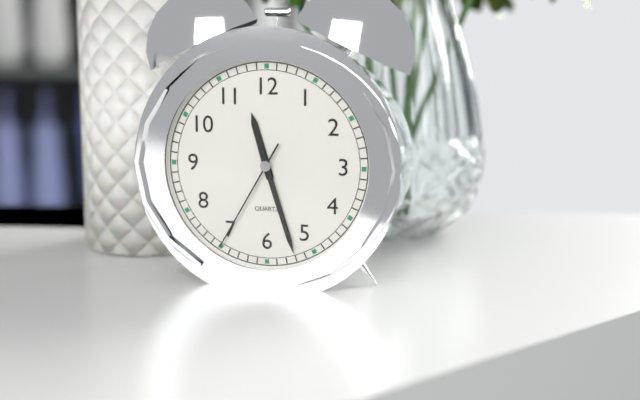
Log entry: 11,27,35
